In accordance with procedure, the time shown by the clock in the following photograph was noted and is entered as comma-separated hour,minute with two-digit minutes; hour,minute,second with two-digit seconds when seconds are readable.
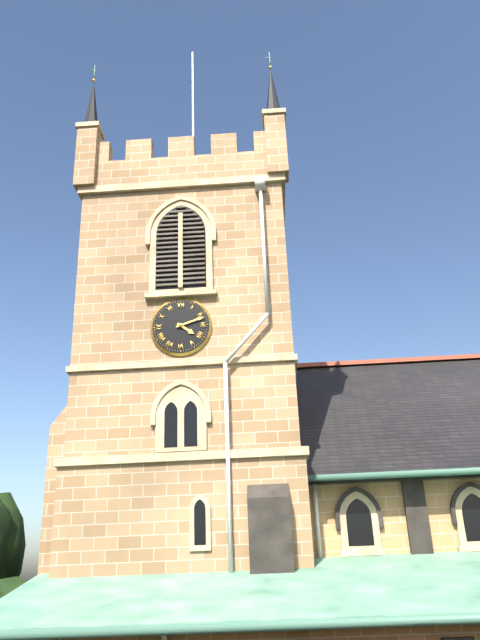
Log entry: 4,12
